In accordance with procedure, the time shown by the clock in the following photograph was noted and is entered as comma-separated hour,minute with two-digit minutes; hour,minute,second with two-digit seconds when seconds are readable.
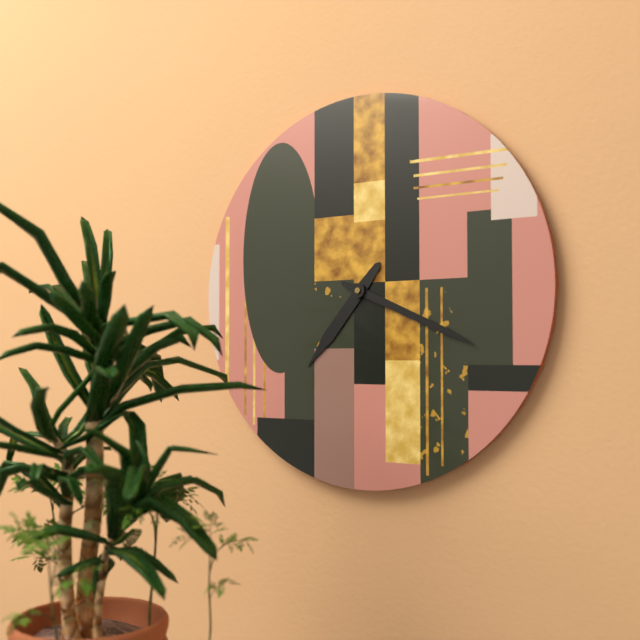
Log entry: 7,19
